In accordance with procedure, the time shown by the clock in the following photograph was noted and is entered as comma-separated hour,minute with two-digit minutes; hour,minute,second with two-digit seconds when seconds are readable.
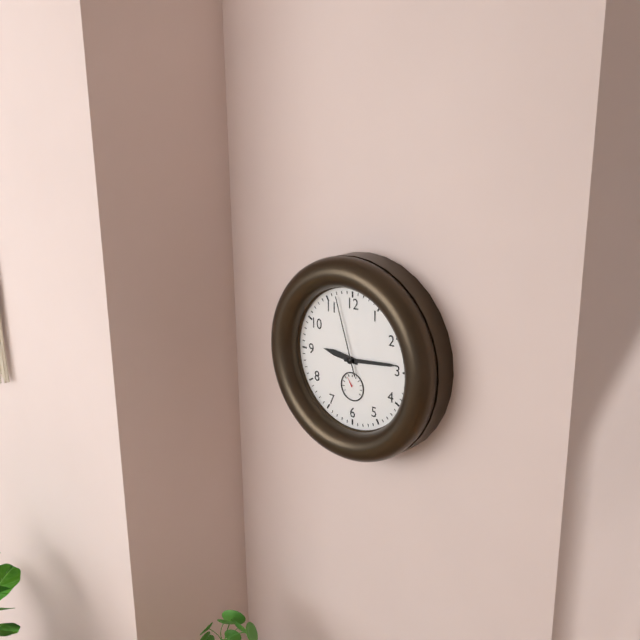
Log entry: 9,14,57
